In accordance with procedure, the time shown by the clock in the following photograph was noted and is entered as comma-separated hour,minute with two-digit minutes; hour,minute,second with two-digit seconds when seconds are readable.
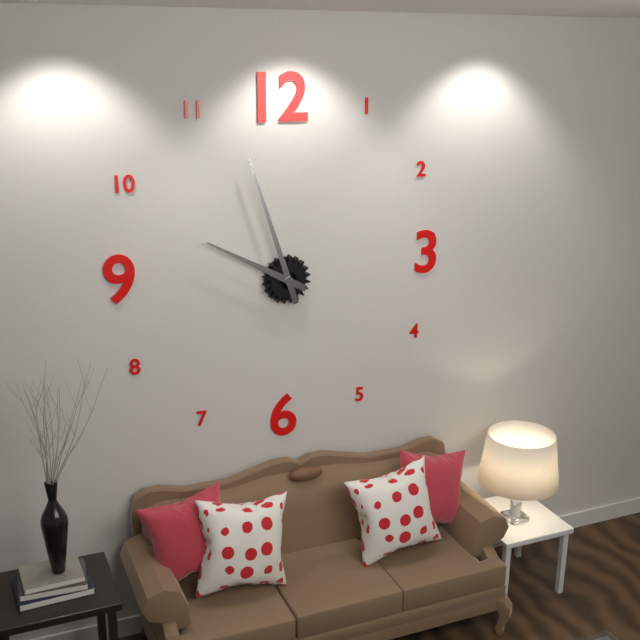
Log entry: 9,57
